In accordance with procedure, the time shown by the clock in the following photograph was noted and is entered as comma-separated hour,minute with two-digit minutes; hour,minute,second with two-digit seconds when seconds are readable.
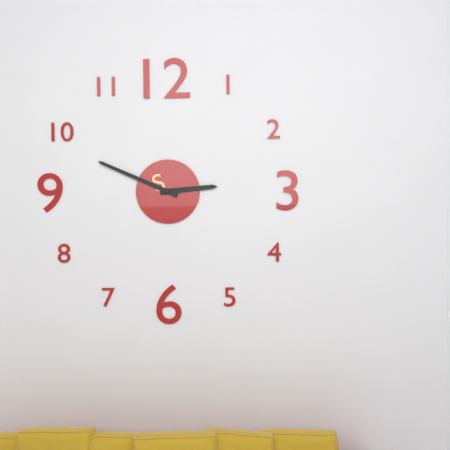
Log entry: 2,49
